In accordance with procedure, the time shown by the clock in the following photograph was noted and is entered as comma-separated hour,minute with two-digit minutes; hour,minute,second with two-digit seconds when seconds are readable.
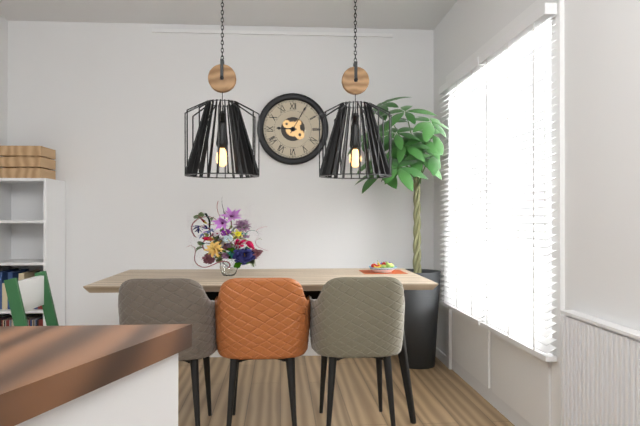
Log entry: 9,05
